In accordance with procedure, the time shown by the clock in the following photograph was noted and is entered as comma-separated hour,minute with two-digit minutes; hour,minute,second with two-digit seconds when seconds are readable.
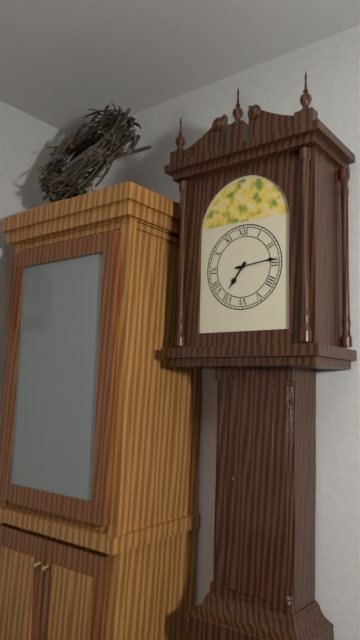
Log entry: 7,14
